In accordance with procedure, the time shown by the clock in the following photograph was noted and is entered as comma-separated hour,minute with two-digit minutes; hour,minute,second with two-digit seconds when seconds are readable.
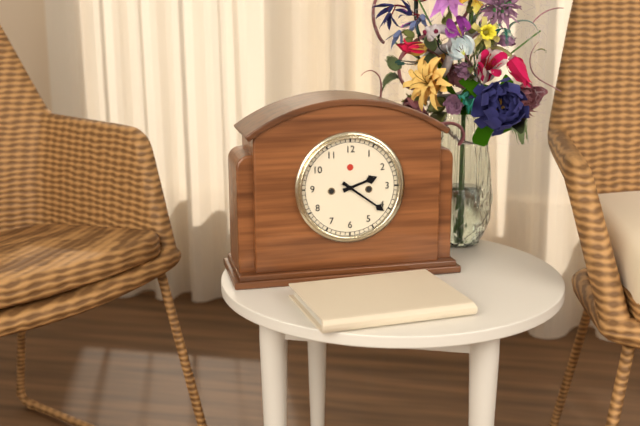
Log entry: 2,21
